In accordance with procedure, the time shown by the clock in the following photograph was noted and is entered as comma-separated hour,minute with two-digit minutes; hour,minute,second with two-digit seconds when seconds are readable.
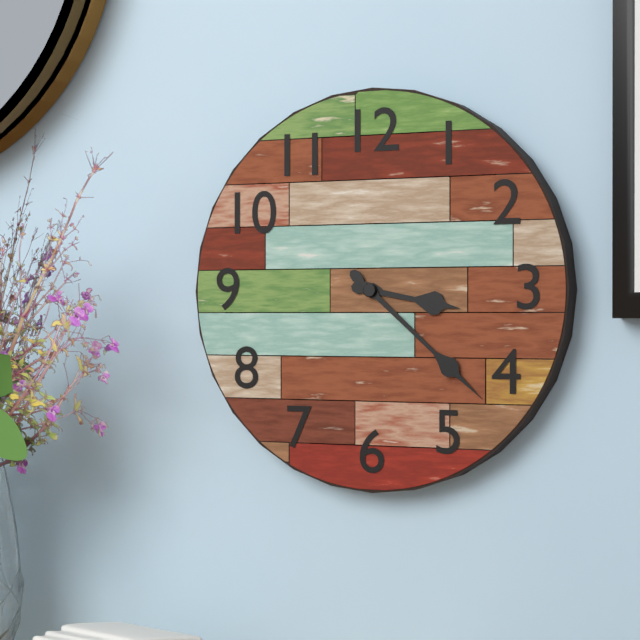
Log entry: 3,22
